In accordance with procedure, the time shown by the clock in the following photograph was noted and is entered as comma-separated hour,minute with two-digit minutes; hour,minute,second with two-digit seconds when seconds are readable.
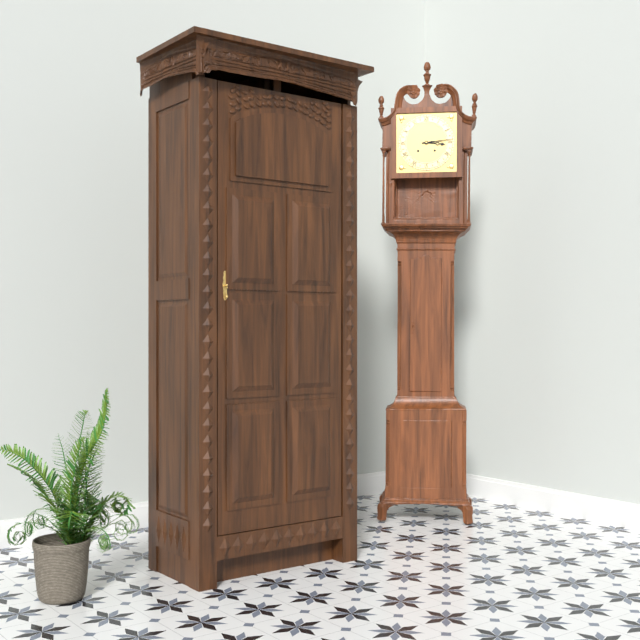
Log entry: 3,14
